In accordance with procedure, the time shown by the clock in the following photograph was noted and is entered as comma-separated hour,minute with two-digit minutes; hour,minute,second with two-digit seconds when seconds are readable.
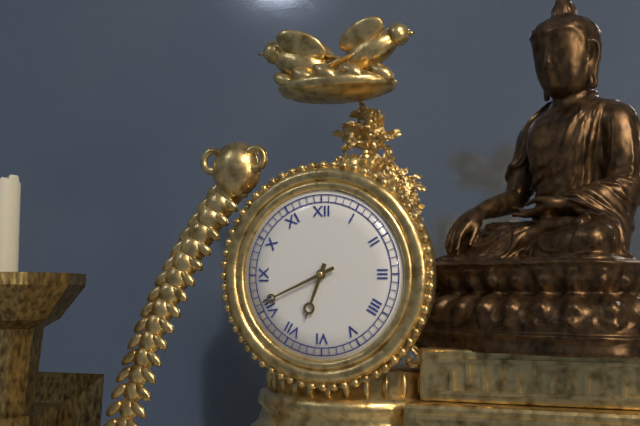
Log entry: 6,41
